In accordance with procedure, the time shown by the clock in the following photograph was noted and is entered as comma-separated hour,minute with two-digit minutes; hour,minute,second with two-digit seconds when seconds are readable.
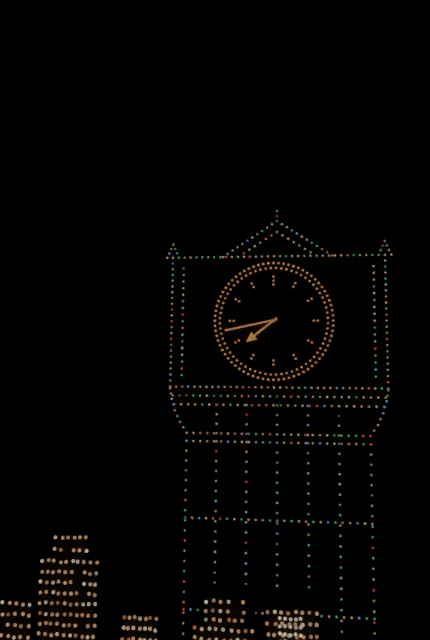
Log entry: 7,43
